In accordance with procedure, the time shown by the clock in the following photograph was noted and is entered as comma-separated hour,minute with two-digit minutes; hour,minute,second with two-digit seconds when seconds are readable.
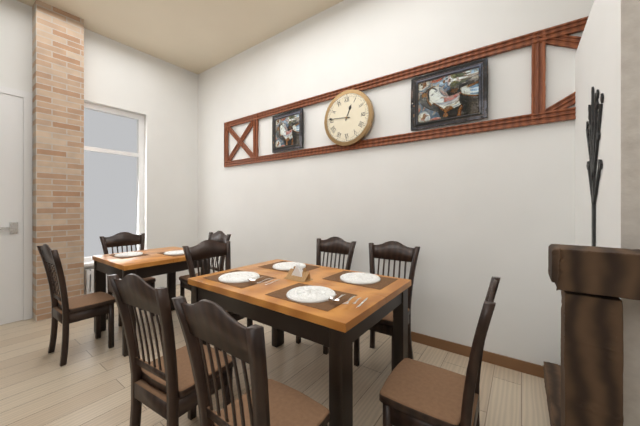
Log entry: 12,46
